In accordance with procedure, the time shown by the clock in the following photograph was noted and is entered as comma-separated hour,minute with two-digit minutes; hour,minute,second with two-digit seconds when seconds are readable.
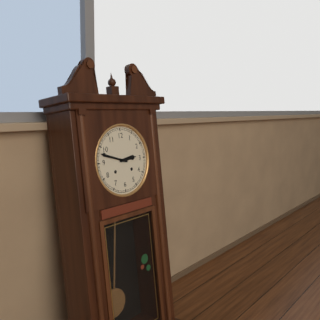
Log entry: 2,48
